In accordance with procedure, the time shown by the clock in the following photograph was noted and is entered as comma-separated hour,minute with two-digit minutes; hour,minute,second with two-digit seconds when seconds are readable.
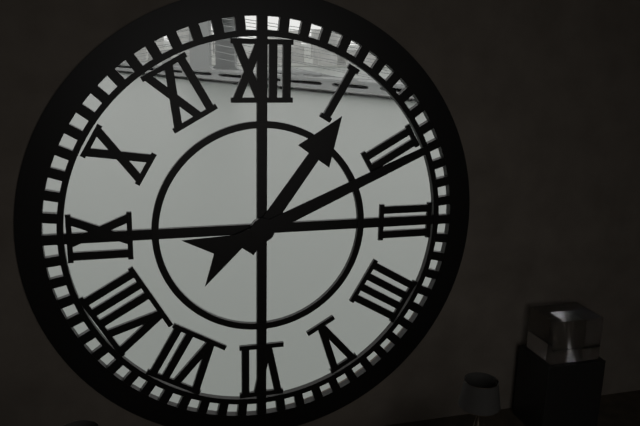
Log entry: 1,11
